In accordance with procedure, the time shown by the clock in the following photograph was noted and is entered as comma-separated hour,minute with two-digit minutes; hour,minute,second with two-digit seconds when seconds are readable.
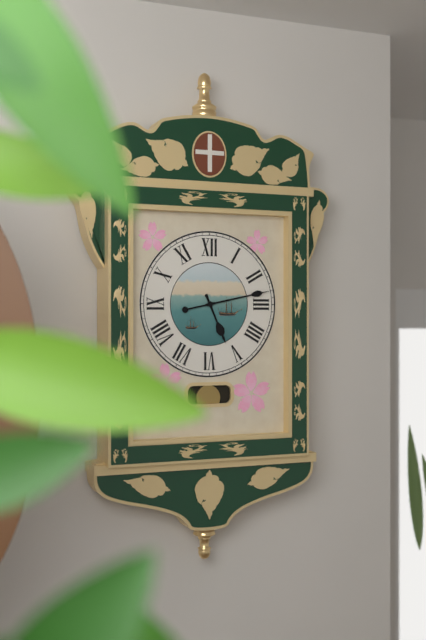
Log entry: 5,13
